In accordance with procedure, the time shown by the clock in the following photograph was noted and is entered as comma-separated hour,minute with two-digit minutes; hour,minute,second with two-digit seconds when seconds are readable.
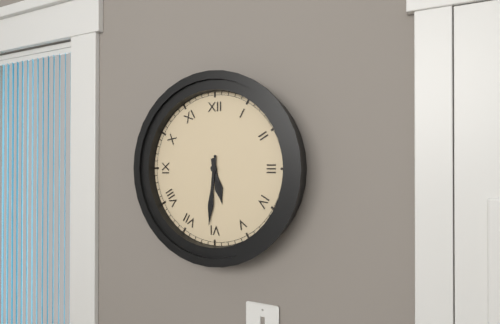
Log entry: 5,31
